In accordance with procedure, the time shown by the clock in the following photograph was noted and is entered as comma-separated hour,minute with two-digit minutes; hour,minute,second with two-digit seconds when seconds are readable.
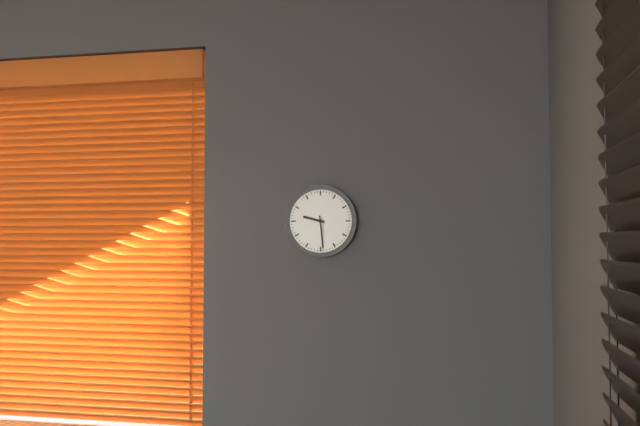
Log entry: 9,29
